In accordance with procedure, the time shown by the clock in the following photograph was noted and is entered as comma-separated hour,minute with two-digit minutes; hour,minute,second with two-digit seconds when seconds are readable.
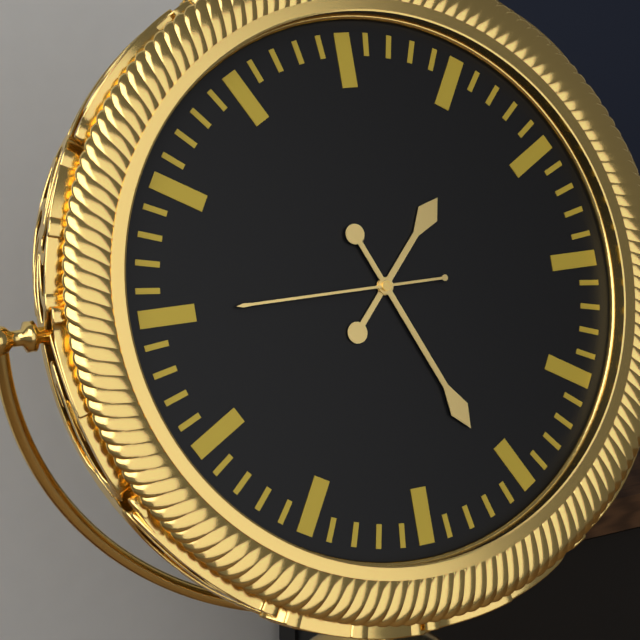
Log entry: 1,26,45
